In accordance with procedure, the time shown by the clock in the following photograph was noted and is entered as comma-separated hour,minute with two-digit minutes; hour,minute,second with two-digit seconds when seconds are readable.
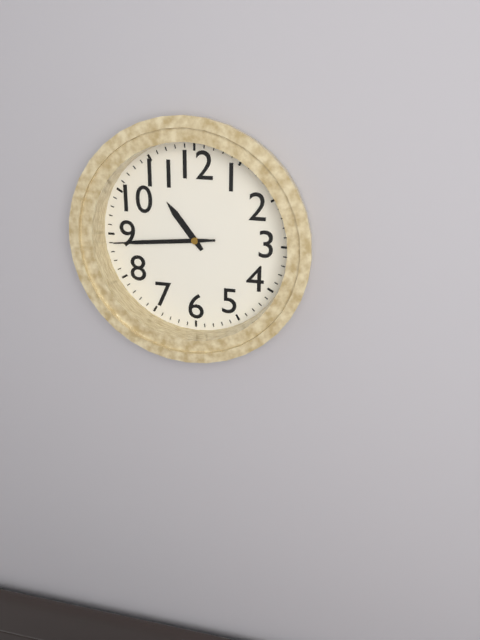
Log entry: 10,44,44
